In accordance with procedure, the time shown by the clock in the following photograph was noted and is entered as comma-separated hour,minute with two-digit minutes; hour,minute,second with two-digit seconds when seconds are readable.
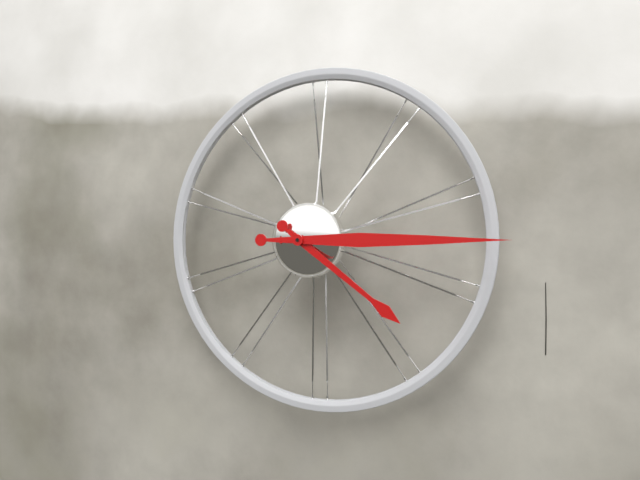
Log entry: 4,15
